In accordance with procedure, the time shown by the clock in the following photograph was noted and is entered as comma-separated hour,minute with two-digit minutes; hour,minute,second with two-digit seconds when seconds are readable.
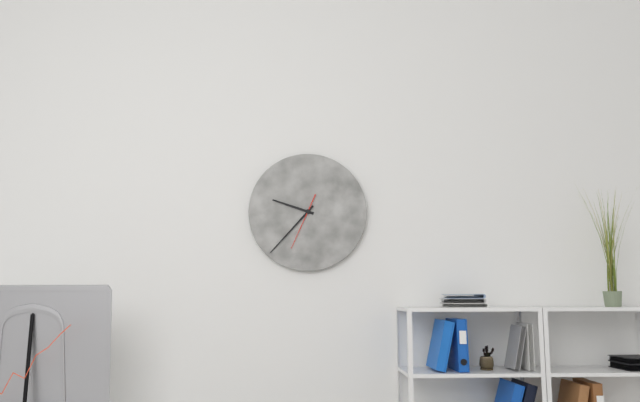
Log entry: 9,37,34
